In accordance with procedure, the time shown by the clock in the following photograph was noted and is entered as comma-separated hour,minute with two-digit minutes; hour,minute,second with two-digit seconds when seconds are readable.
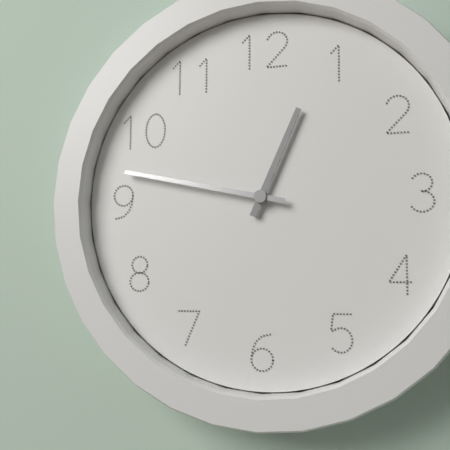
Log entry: 12,47
